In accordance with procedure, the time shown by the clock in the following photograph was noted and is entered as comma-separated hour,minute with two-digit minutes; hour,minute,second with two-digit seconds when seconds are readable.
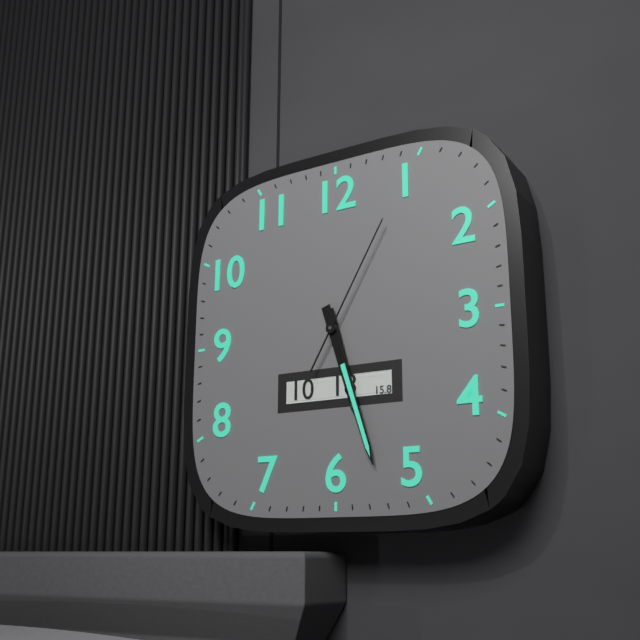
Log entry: 5,27,05
